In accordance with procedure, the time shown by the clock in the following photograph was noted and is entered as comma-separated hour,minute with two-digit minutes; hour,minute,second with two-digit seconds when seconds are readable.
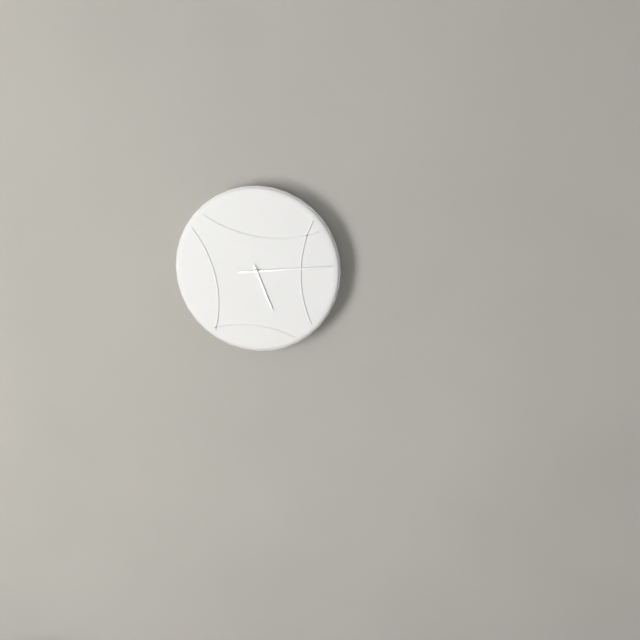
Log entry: 5,14
